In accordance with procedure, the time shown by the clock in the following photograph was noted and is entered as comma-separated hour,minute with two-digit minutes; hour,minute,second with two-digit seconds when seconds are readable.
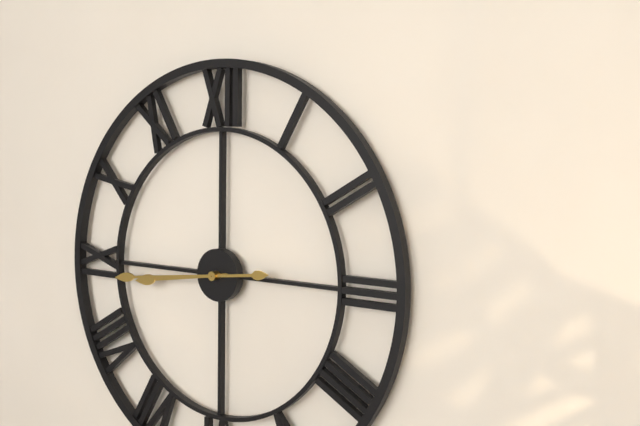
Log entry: 8,44
